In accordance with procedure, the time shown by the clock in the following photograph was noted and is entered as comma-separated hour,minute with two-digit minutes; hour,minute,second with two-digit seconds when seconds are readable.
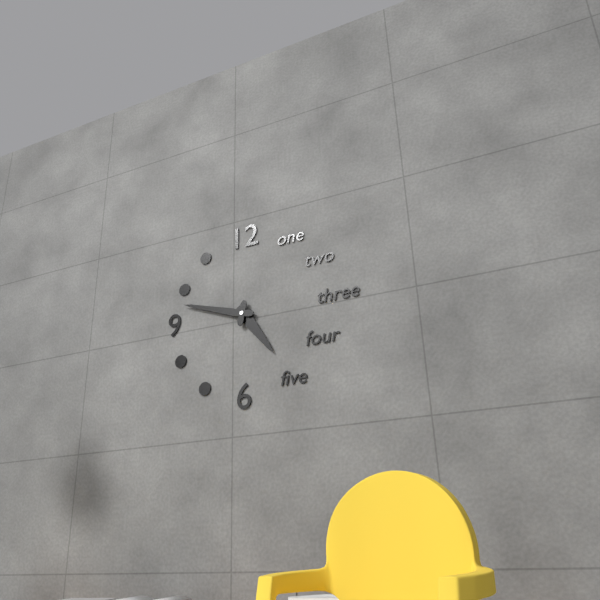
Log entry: 4,48
